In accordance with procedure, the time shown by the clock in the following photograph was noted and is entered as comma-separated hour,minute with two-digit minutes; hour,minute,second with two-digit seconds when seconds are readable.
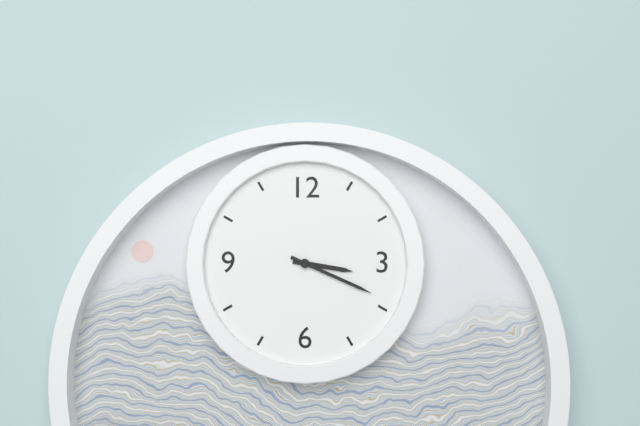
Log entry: 3,19
